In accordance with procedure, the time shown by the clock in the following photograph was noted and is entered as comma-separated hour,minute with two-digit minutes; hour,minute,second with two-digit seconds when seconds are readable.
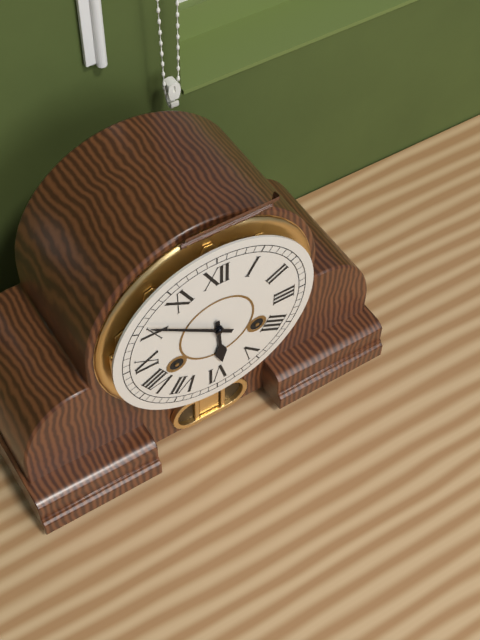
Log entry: 5,51
